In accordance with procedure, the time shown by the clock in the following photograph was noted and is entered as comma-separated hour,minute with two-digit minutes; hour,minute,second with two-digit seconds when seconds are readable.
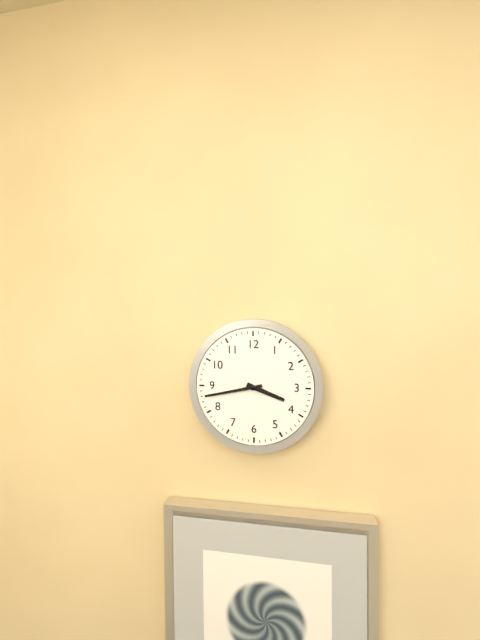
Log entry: 3,43
